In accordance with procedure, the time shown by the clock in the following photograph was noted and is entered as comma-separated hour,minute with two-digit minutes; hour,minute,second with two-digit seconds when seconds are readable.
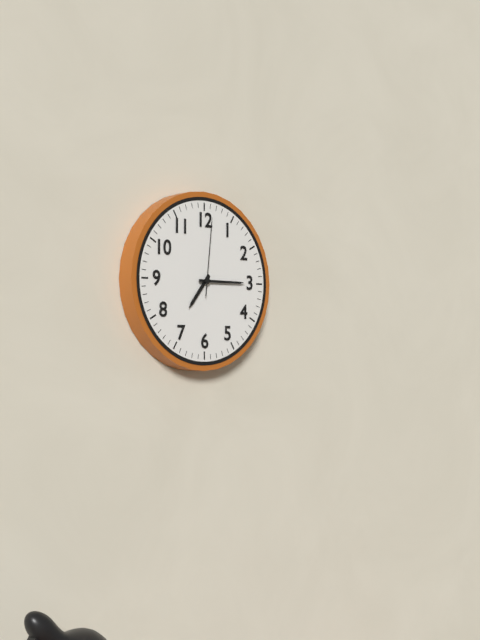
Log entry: 7,15,01
